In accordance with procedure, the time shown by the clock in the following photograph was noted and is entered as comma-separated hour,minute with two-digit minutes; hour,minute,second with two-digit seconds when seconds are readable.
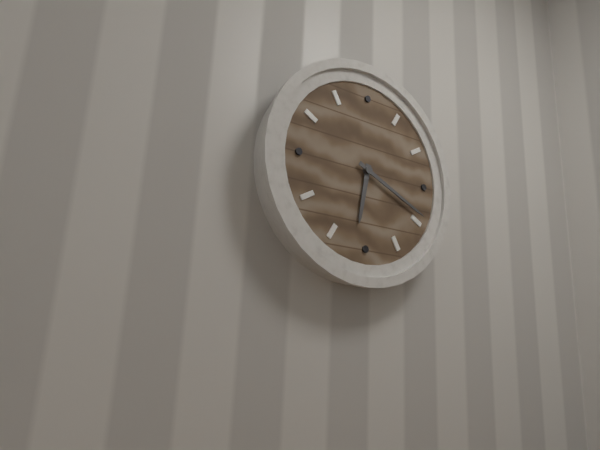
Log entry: 6,19
